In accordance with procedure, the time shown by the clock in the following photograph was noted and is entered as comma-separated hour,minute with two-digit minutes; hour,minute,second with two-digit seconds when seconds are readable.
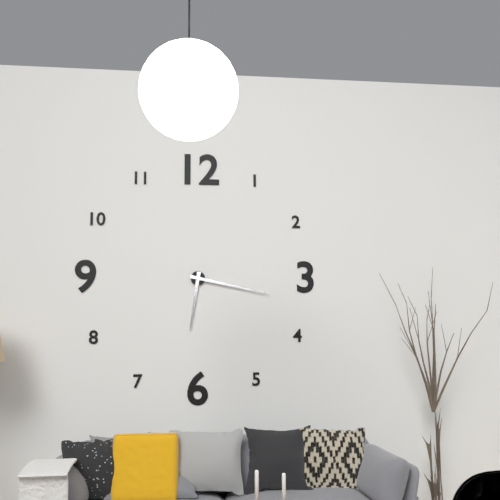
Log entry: 6,17
